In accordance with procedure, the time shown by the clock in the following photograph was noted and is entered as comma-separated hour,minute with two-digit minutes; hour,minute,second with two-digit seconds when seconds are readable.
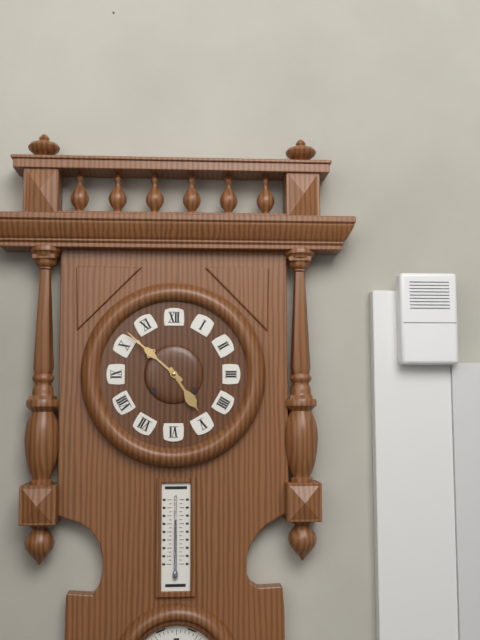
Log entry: 4,52
